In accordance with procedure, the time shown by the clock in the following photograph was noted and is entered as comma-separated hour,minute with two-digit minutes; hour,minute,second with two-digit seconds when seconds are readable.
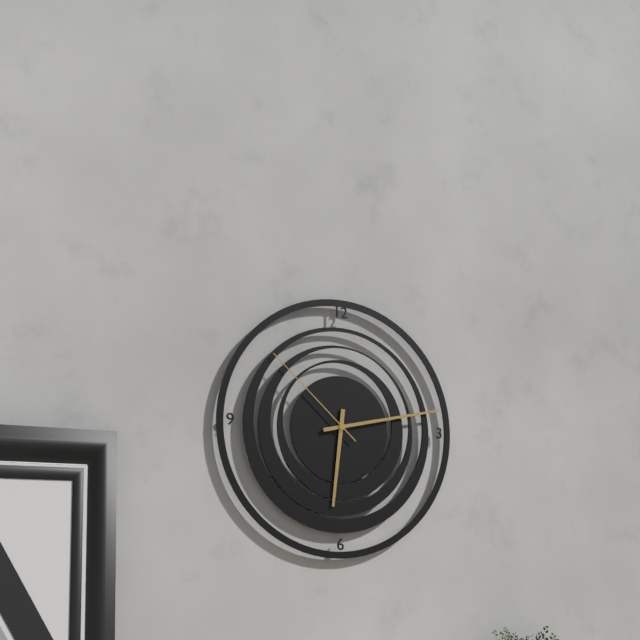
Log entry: 6,13,52
